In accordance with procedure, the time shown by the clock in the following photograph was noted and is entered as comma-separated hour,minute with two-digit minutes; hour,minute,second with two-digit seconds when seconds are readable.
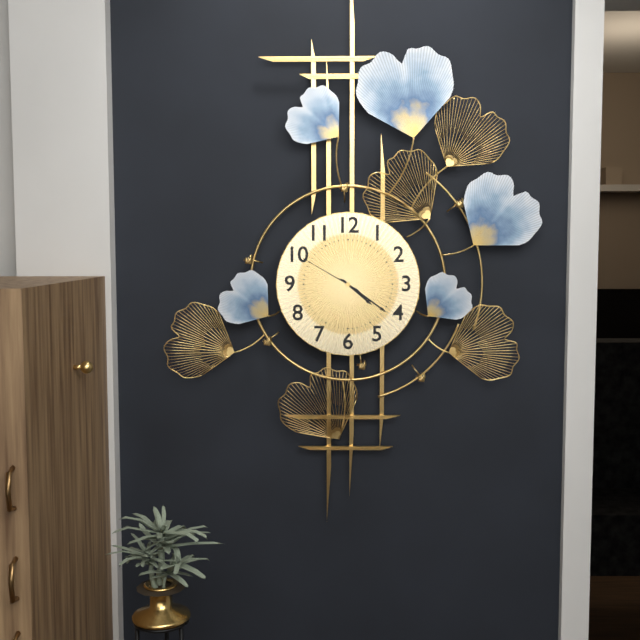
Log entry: 4,21,50
